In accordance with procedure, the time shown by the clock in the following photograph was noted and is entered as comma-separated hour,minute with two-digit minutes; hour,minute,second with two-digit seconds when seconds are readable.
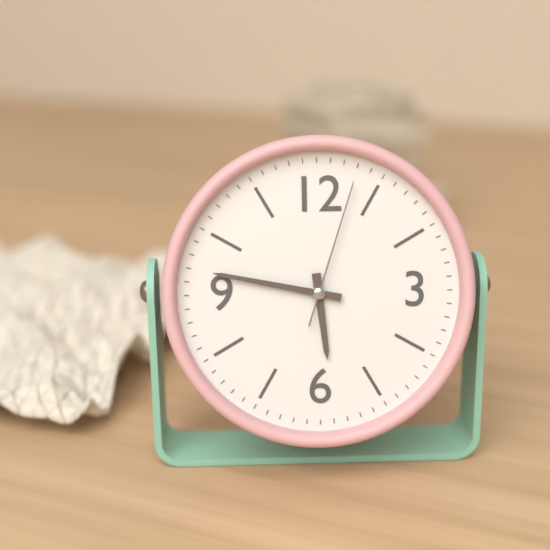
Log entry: 5,47,03
